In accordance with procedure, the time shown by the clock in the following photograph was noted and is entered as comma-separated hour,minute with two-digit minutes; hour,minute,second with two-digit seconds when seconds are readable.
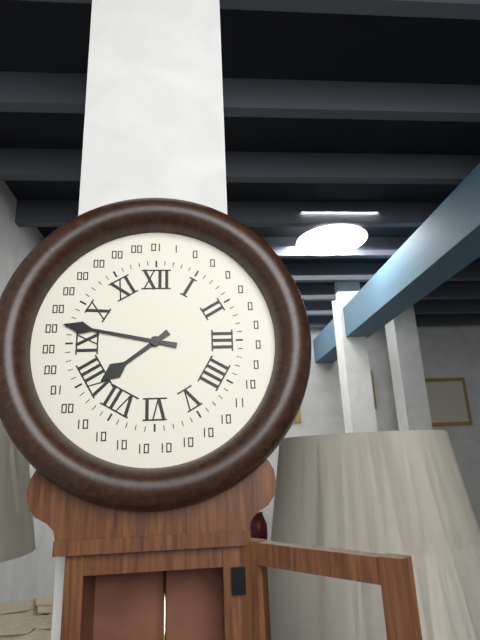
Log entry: 7,47
